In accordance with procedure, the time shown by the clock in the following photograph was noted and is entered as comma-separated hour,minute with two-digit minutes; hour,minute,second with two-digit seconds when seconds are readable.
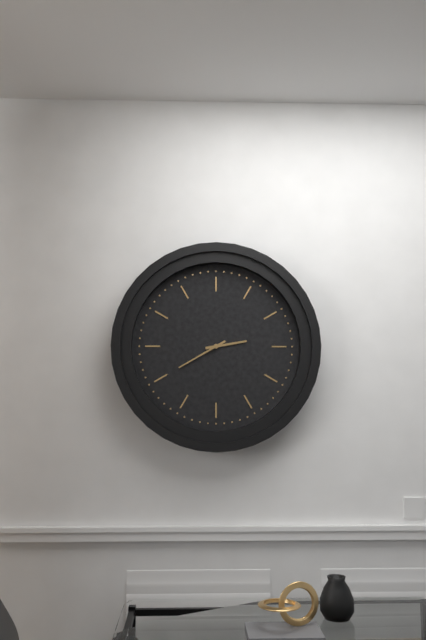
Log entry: 2,40
